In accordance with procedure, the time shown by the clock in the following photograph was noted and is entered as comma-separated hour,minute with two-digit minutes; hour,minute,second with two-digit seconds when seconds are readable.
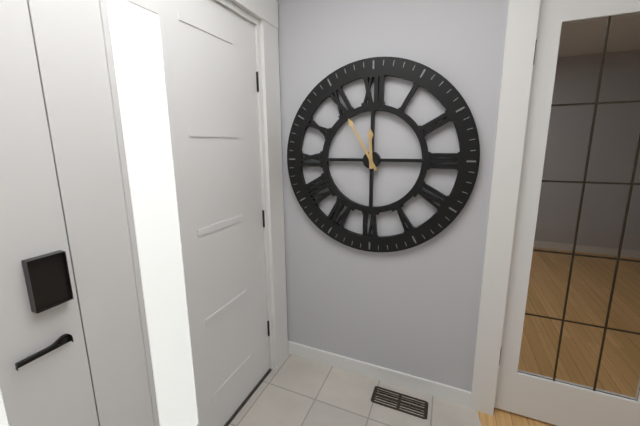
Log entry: 11,55
